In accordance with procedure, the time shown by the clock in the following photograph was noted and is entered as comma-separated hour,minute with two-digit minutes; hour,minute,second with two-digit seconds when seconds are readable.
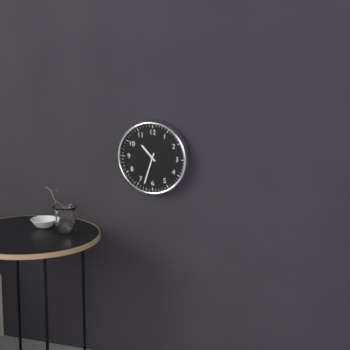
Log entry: 10,33
